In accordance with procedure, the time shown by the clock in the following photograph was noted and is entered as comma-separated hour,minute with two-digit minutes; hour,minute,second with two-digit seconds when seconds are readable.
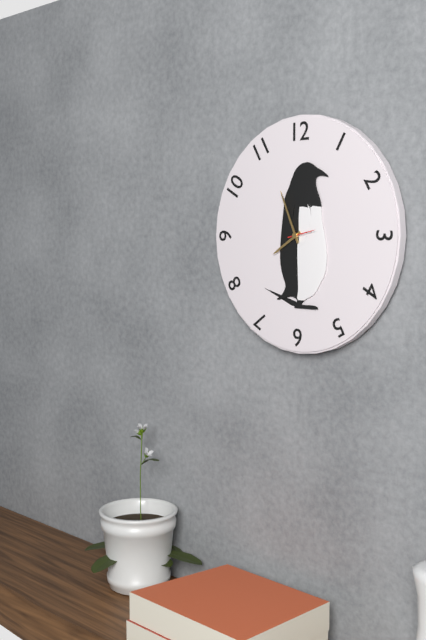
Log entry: 7,56
